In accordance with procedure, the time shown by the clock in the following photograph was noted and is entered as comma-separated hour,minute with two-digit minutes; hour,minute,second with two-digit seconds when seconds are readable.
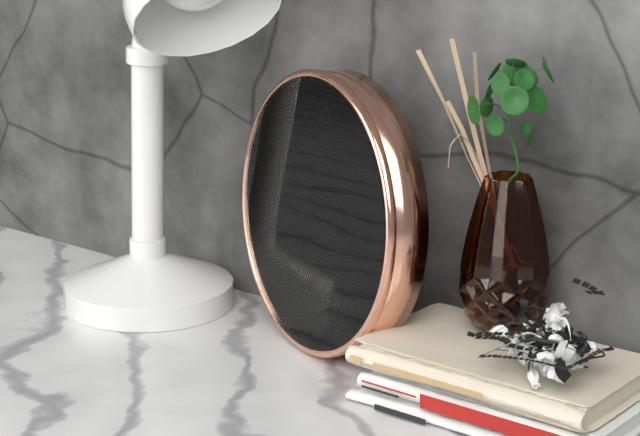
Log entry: 4,21,33
